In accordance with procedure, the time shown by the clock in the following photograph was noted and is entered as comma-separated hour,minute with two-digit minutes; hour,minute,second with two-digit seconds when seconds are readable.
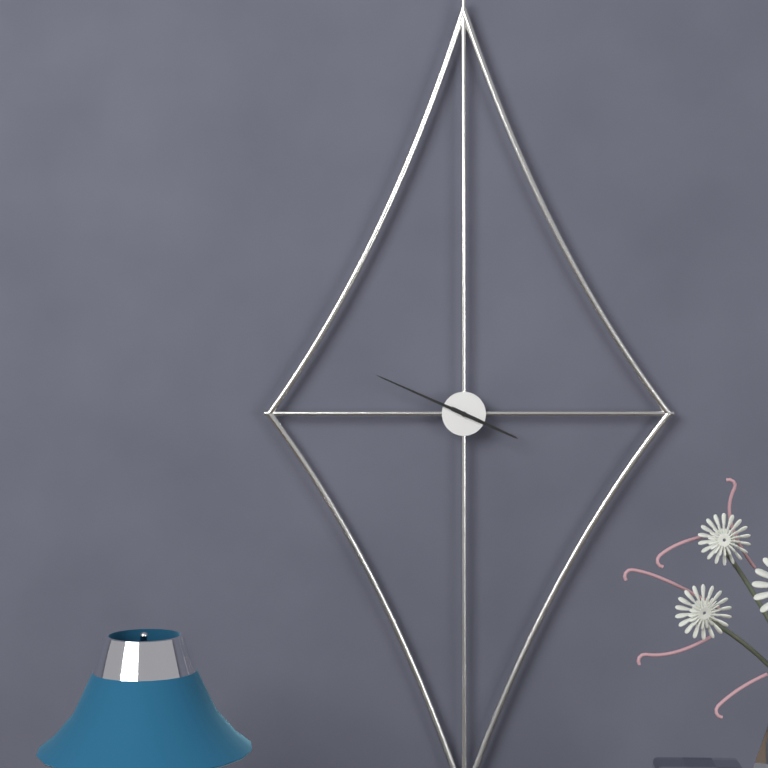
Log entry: 3,49
